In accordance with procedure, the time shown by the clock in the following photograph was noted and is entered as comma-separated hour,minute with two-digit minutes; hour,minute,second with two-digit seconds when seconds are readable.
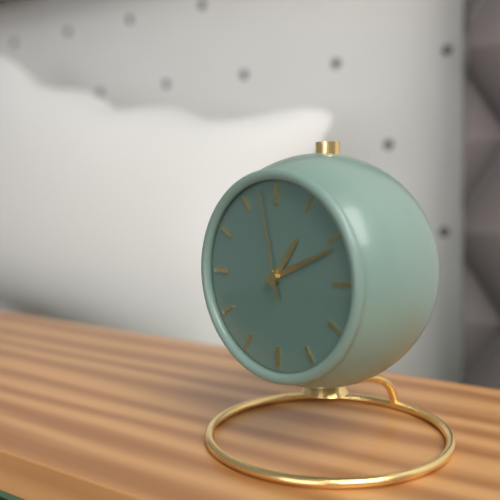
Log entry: 1,11,58
